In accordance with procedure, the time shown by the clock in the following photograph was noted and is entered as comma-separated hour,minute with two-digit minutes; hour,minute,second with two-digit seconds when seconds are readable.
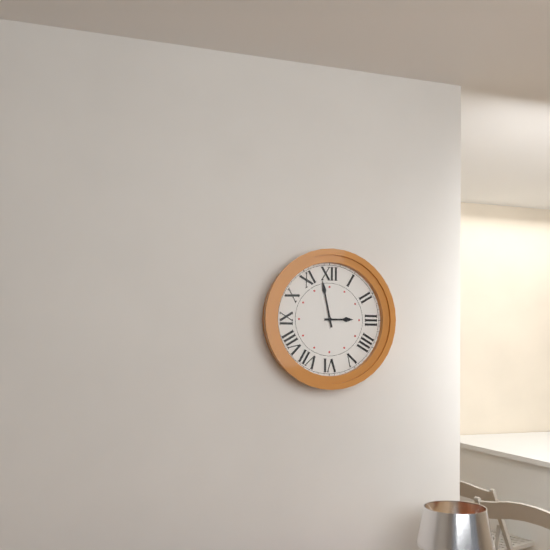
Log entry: 2,58
